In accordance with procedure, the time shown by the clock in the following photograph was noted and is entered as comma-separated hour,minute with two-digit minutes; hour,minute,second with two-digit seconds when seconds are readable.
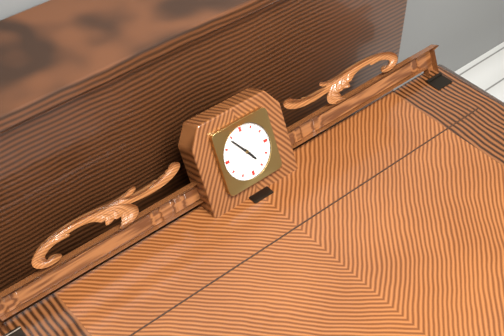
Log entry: 4,54
